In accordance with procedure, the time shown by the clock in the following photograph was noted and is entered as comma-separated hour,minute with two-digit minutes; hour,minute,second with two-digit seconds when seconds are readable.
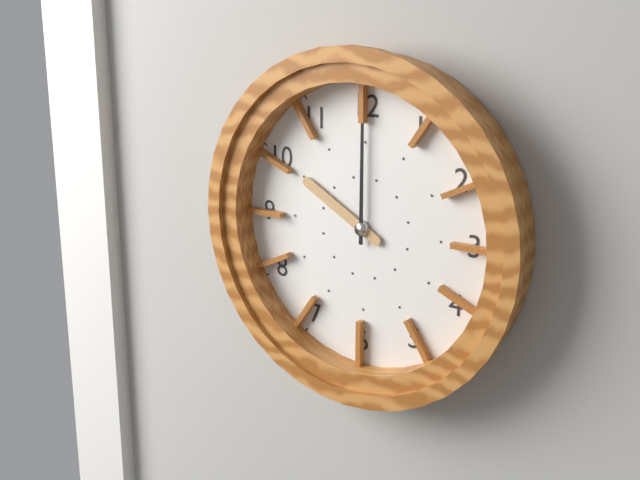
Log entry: 10,00
